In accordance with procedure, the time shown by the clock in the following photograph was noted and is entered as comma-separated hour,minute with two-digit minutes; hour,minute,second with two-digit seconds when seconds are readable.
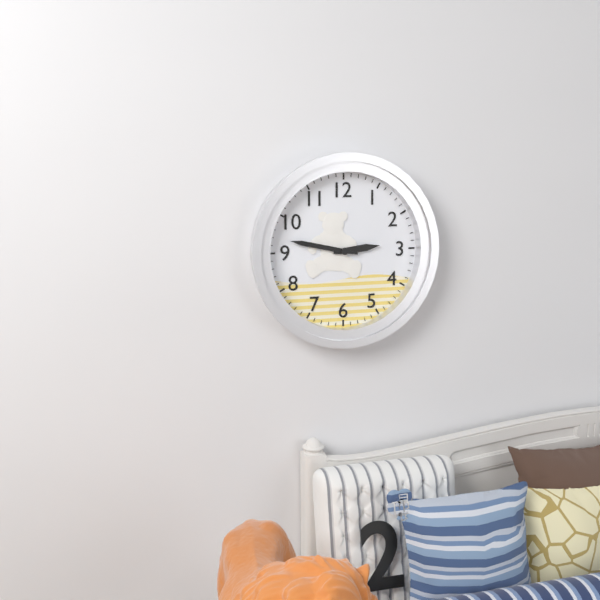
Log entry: 2,47
